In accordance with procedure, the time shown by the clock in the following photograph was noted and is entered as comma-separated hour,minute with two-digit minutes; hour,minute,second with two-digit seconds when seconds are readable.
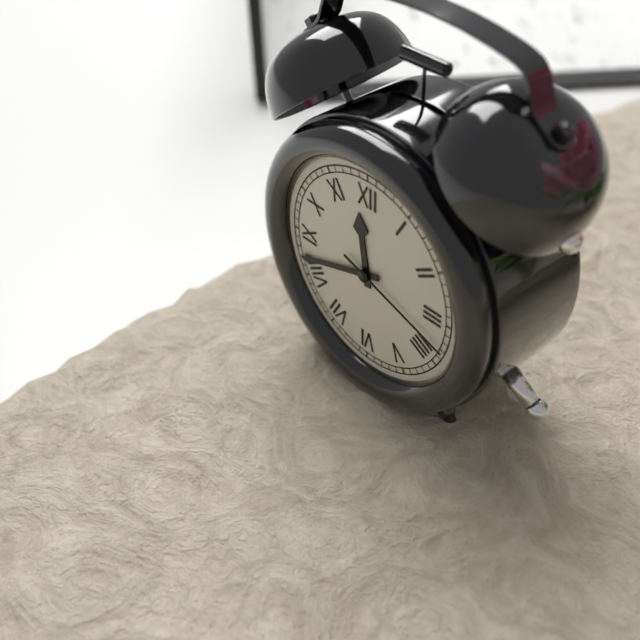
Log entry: 11,42,18
